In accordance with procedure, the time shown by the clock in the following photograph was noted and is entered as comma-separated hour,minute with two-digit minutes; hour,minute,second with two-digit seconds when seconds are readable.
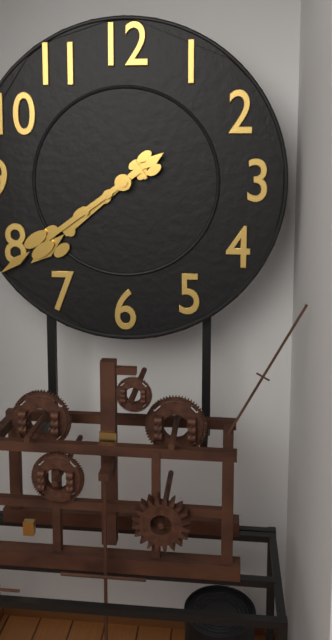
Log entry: 7,39
